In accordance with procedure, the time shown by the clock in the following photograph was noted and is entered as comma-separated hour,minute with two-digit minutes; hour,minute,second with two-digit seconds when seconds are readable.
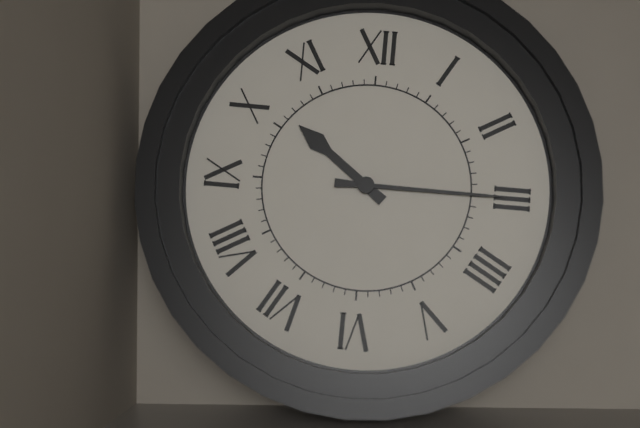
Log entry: 10,15
